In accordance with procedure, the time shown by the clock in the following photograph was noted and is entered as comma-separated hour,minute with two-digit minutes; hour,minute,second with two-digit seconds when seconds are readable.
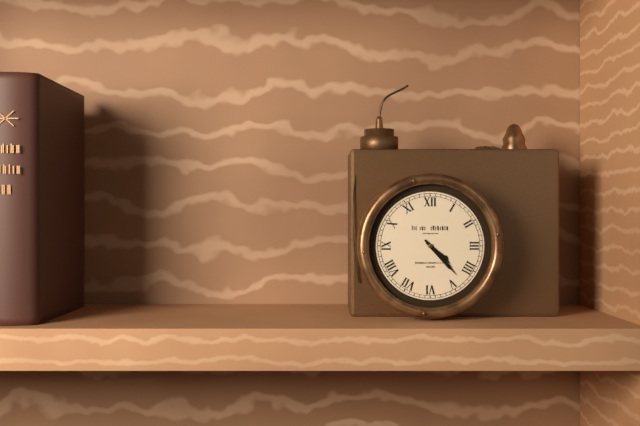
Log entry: 4,23
